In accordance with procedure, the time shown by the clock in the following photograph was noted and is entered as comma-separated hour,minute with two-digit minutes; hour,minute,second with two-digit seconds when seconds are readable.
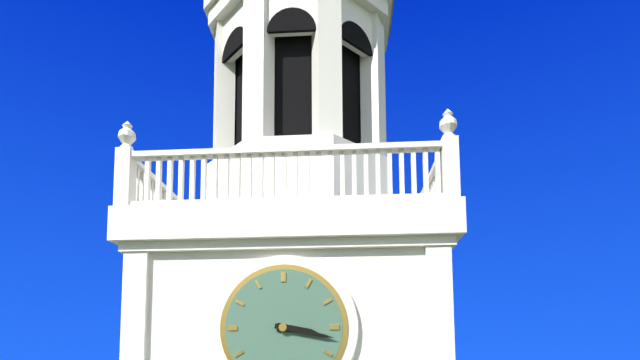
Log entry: 3,17
